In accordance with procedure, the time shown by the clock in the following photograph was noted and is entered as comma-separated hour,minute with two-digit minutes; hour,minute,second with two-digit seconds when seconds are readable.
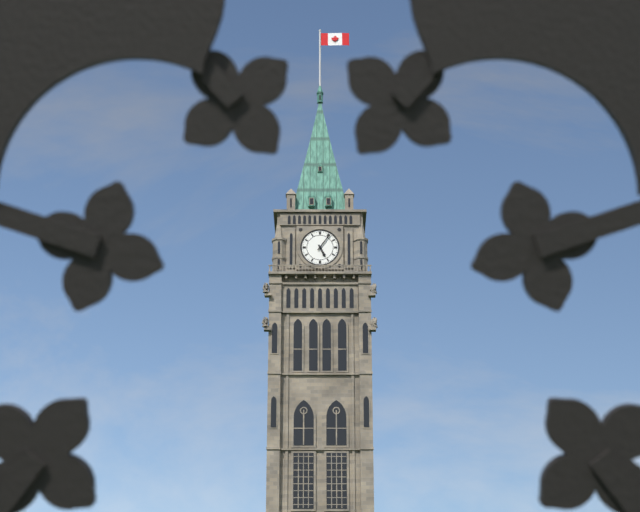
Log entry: 5,06
